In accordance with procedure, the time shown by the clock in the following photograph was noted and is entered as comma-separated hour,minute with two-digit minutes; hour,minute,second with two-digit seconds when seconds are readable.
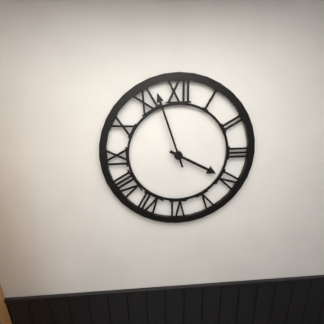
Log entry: 3,57
